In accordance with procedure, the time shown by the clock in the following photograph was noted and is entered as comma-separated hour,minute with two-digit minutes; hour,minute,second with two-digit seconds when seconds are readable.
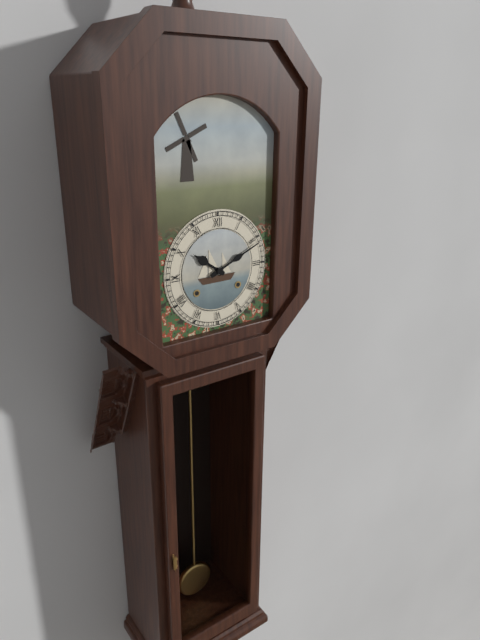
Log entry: 10,11
